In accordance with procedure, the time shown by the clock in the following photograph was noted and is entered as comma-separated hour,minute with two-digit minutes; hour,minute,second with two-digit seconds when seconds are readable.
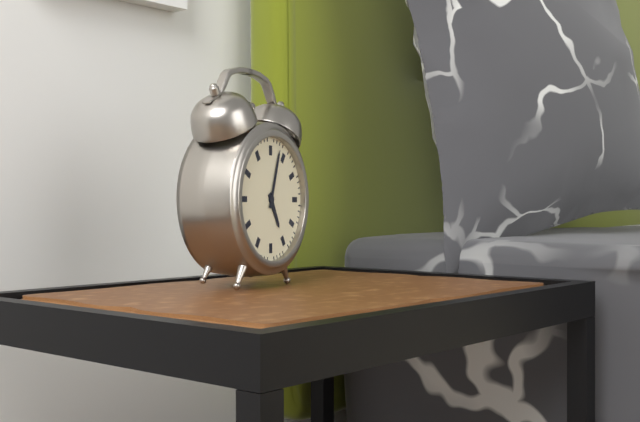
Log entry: 5,03
